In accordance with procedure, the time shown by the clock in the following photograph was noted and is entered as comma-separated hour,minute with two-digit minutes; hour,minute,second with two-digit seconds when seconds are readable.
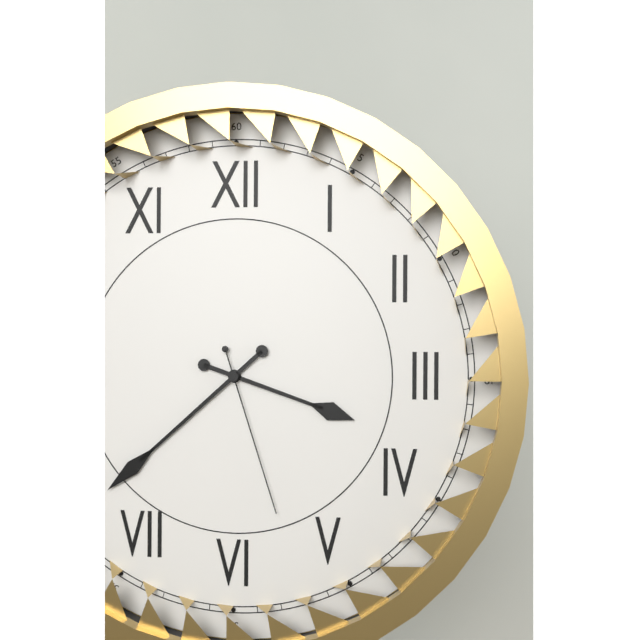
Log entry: 3,38,27
